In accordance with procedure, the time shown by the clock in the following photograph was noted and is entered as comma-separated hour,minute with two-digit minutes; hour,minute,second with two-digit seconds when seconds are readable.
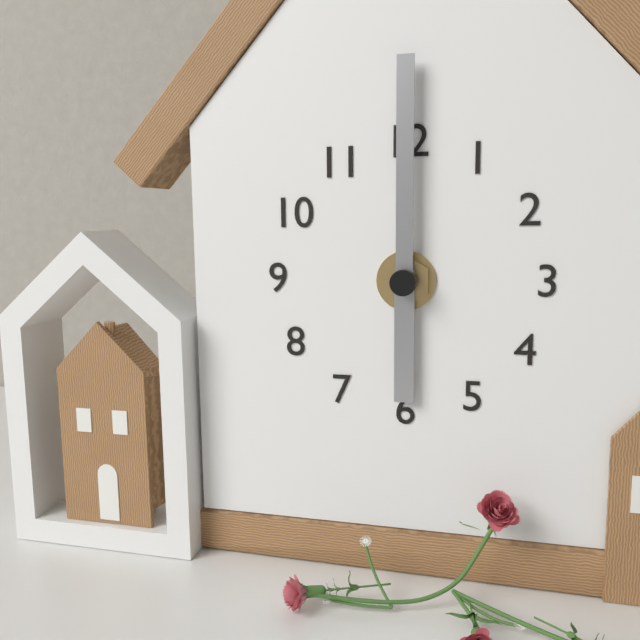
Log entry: 6,00
